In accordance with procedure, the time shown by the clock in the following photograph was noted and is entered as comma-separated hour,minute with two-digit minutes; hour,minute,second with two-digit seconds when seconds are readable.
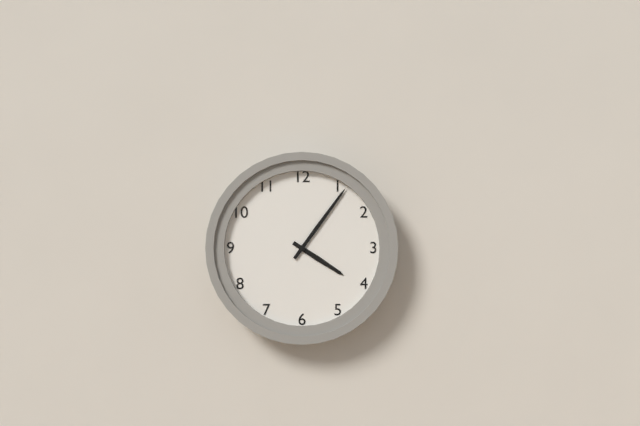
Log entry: 4,06
